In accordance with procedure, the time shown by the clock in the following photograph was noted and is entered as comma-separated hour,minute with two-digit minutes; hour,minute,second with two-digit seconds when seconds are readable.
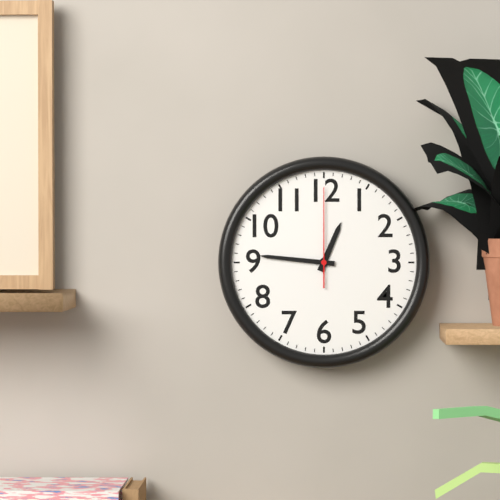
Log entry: 12,46,00
